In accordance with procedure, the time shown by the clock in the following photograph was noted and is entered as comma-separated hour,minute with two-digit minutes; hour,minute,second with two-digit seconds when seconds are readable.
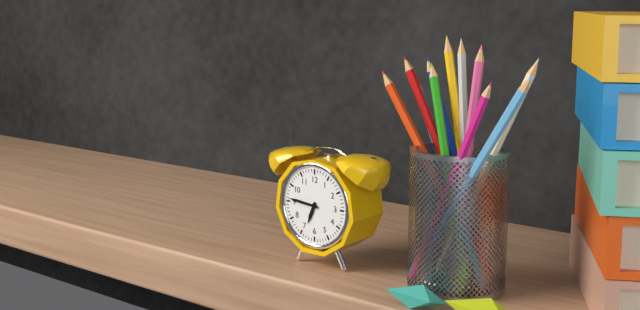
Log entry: 6,46
